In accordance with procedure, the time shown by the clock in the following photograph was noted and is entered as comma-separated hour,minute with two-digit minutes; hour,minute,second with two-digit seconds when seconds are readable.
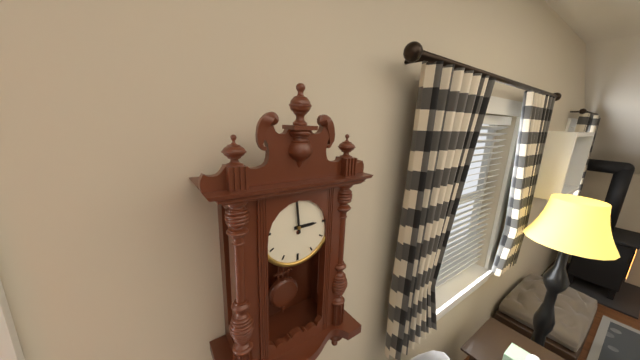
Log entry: 2,59
